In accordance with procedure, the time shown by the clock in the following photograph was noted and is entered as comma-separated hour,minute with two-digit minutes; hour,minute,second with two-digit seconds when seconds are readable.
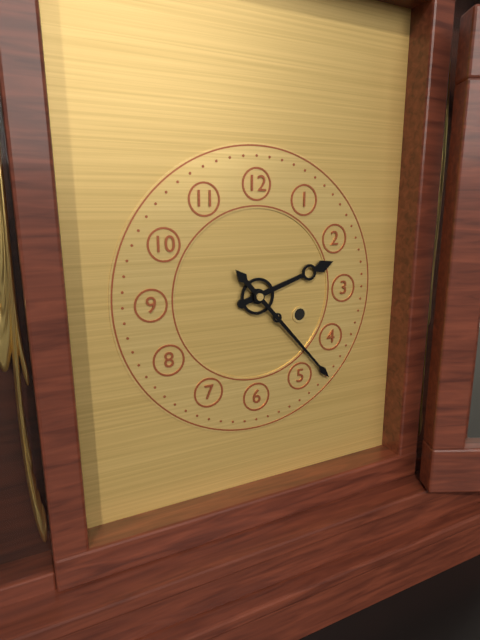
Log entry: 2,23
